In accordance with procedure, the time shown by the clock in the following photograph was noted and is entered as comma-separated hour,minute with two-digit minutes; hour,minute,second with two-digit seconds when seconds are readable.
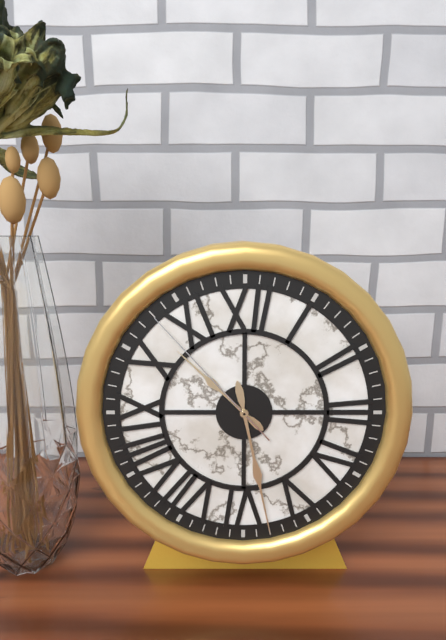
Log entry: 10,28,53
